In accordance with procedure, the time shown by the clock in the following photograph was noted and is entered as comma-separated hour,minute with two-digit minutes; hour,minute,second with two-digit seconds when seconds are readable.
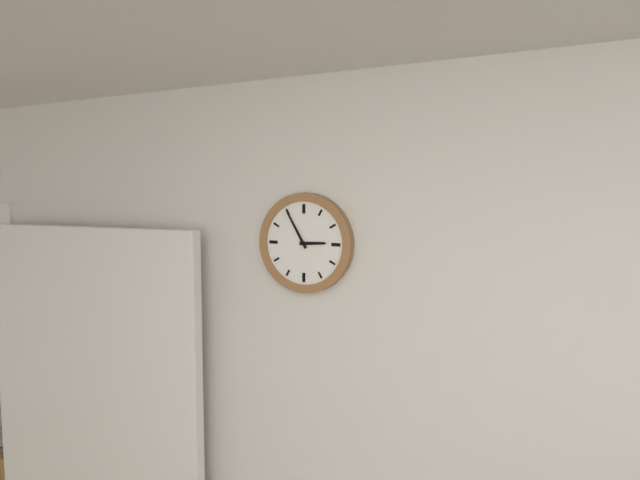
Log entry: 2,55
